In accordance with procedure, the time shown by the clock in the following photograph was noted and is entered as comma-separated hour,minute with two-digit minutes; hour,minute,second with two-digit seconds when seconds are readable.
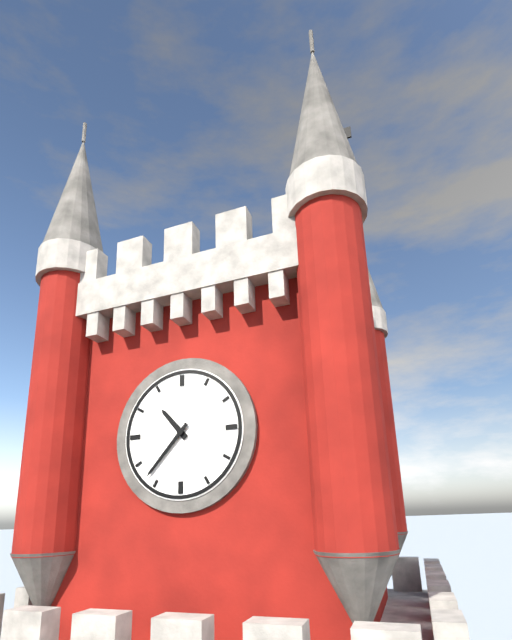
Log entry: 10,37
